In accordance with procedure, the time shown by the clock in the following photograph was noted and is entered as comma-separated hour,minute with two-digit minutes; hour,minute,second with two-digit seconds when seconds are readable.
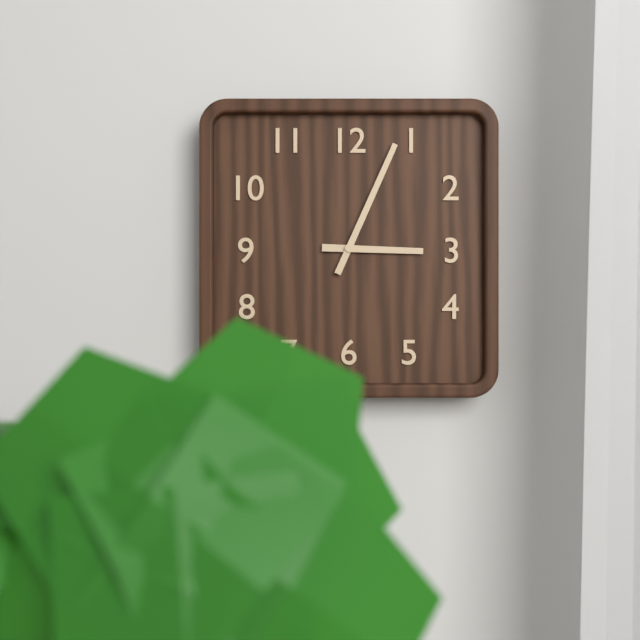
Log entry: 3,04
